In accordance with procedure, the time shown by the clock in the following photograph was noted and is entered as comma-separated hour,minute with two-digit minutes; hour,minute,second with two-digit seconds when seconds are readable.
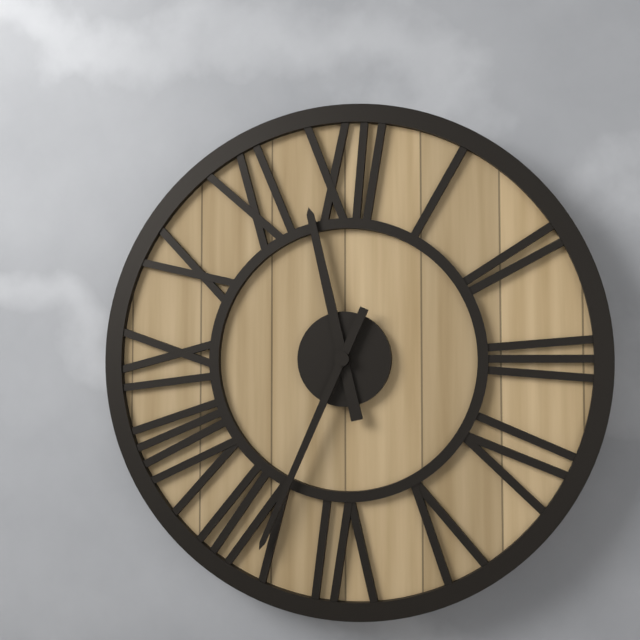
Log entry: 11,34
